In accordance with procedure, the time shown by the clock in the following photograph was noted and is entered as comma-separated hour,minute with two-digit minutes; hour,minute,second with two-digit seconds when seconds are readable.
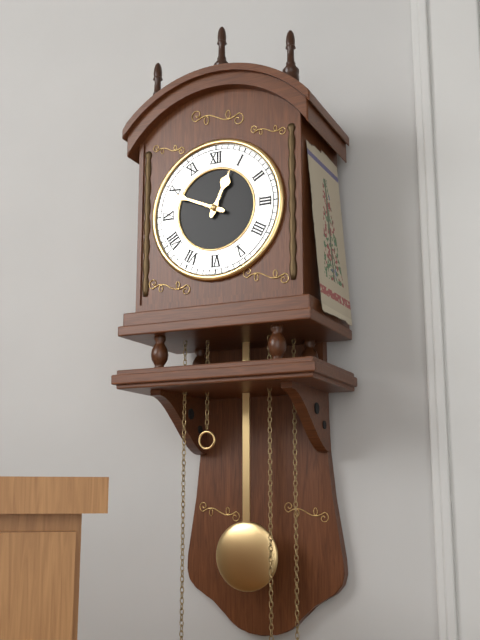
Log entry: 12,49
